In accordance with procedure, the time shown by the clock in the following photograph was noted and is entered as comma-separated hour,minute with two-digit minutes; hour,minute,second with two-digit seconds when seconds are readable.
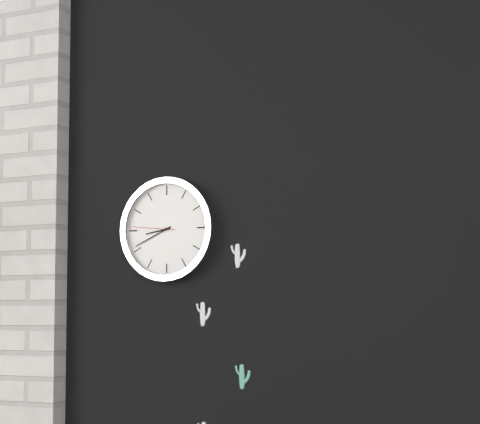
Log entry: 8,41
